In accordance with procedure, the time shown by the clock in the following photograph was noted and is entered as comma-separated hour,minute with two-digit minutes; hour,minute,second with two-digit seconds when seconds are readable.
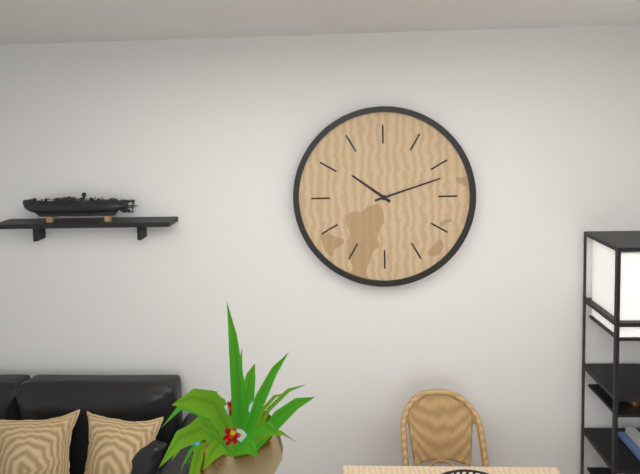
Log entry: 10,12
